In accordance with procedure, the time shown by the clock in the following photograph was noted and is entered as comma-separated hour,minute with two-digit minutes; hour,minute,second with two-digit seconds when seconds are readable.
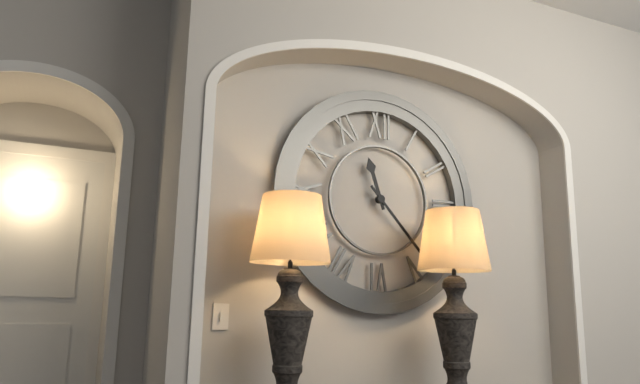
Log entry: 11,23
